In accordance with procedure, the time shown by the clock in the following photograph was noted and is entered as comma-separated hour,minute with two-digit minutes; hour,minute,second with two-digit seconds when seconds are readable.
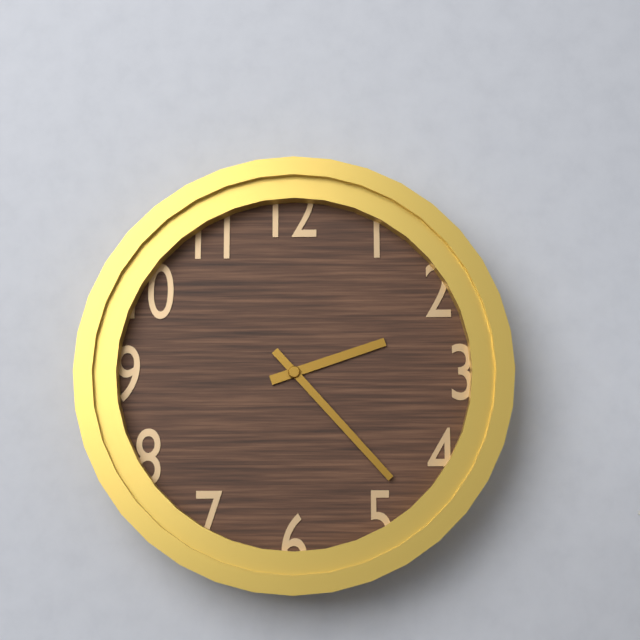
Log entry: 2,23
